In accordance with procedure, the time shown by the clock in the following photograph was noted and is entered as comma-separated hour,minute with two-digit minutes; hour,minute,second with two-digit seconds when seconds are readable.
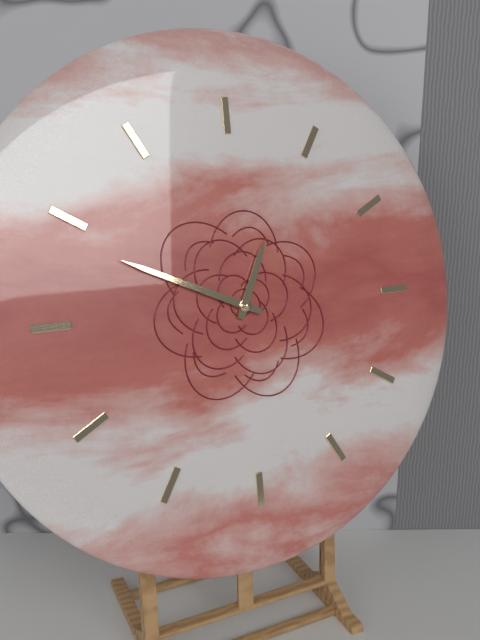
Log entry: 12,49
